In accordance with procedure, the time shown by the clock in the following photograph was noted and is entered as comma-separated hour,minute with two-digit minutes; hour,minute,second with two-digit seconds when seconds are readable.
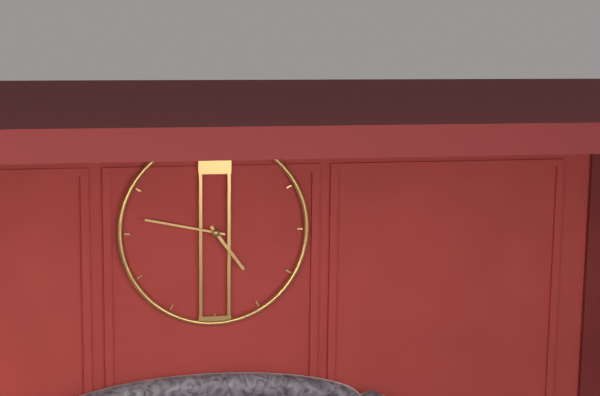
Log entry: 4,47
